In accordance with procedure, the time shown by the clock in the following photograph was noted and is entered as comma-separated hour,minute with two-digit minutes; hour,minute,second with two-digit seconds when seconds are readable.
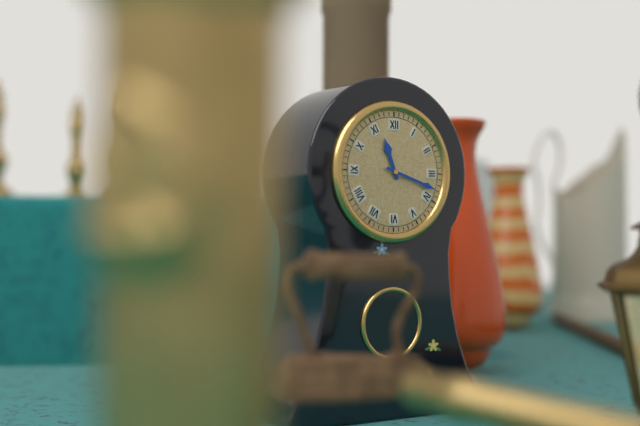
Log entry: 11,18
